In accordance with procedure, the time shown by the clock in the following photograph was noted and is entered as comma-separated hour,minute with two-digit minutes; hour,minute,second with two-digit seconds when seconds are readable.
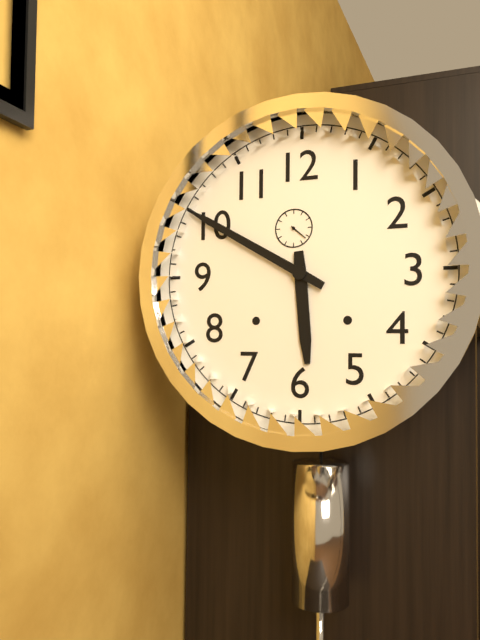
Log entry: 5,50
